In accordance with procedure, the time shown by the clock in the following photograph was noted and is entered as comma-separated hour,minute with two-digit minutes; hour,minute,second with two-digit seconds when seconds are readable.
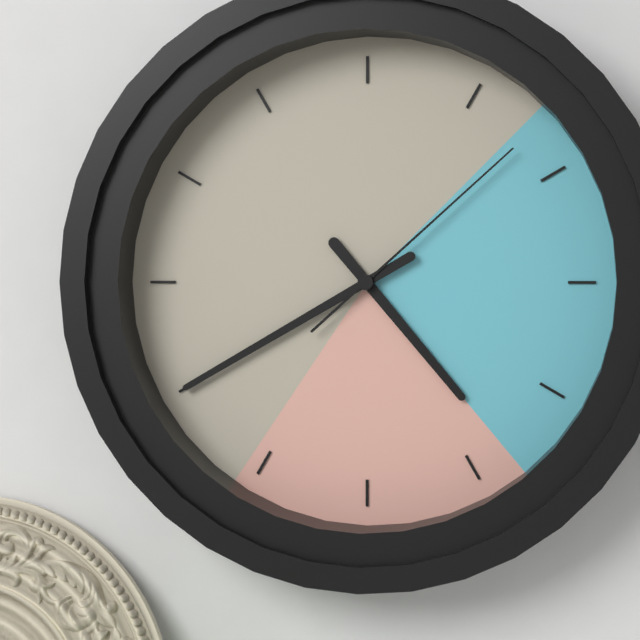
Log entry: 4,40,08
